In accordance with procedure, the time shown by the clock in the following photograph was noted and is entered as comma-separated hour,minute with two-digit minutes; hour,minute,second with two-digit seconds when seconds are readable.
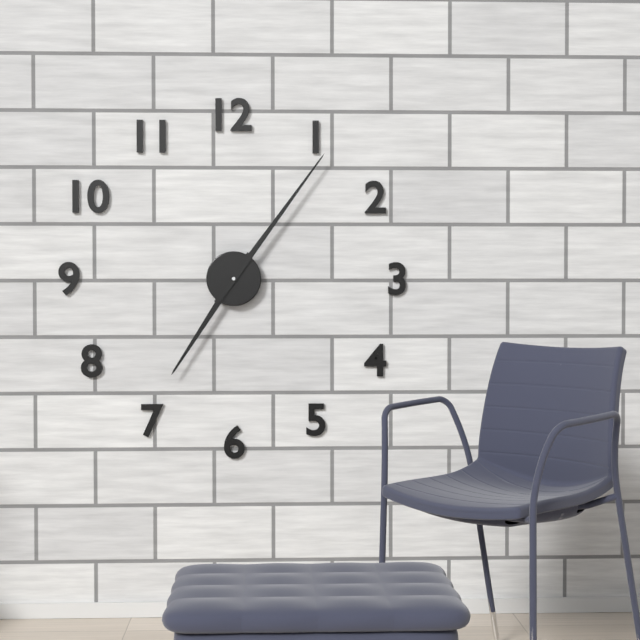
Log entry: 7,06
